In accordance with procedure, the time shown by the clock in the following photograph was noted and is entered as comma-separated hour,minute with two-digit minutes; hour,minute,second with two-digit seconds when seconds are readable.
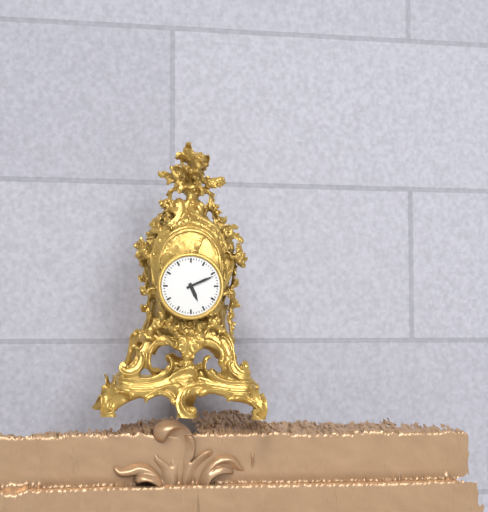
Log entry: 5,11
